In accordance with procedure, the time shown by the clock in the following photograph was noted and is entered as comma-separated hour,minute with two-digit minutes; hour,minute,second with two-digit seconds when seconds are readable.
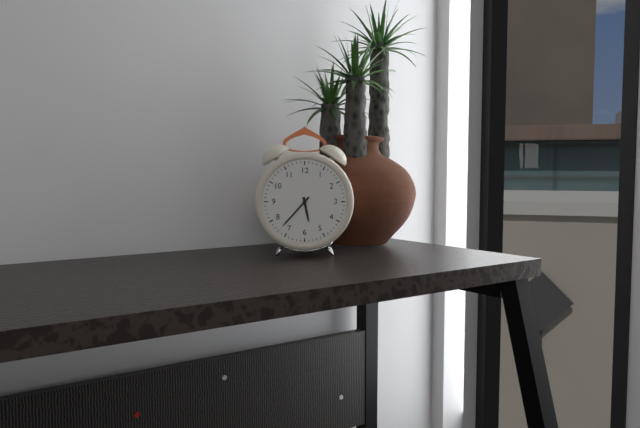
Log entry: 5,37
